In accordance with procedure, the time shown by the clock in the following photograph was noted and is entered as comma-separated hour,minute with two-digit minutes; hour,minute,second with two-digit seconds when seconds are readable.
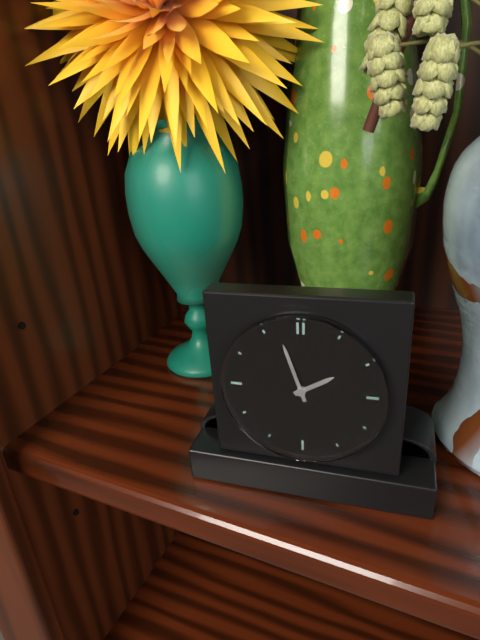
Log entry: 1,57
